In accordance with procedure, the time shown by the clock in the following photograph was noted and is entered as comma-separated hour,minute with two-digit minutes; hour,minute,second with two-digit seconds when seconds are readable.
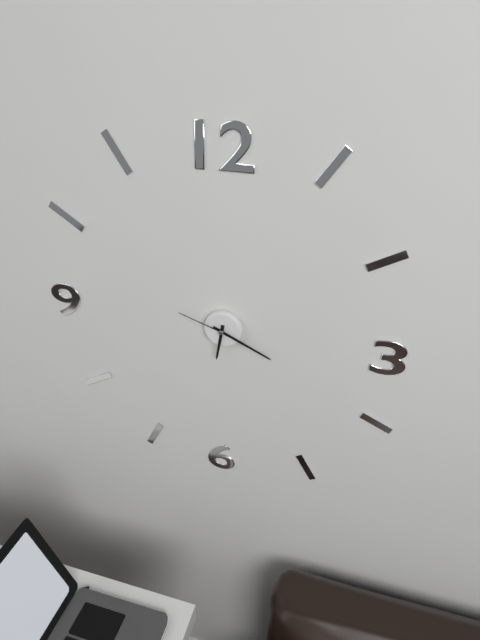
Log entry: 6,19,48
